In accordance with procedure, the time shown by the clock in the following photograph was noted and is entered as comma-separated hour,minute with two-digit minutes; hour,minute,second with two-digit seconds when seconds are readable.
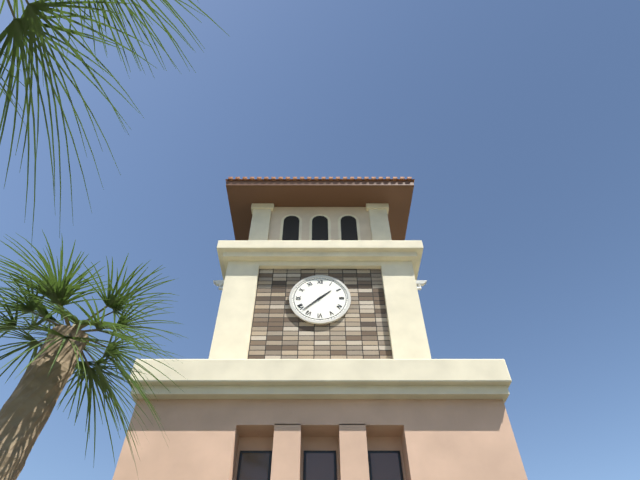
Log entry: 1,38
